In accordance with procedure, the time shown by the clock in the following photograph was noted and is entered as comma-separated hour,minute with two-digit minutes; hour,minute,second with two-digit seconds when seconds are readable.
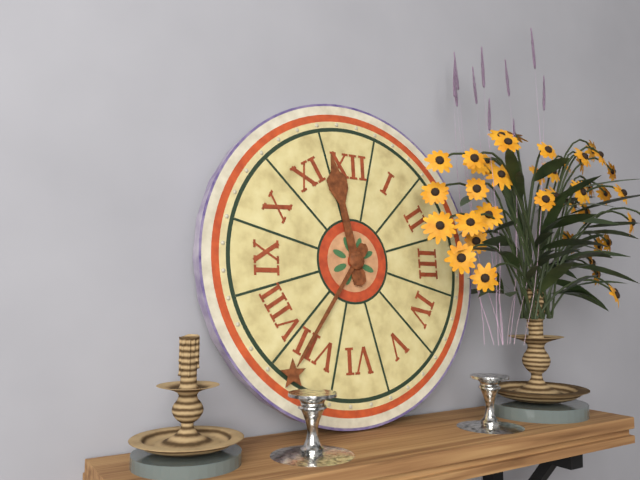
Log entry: 11,36
